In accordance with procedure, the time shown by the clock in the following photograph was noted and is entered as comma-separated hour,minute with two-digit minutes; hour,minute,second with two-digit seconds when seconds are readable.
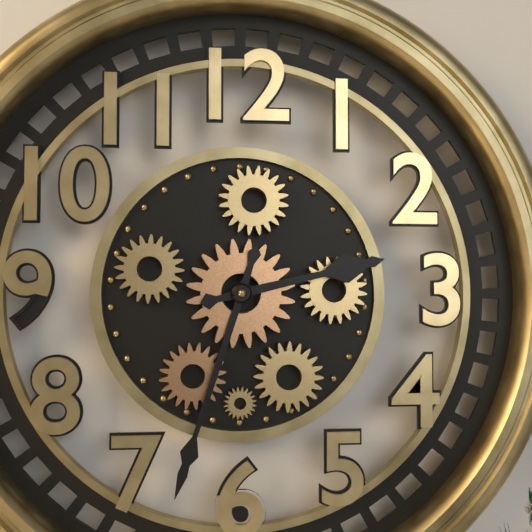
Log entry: 2,33
